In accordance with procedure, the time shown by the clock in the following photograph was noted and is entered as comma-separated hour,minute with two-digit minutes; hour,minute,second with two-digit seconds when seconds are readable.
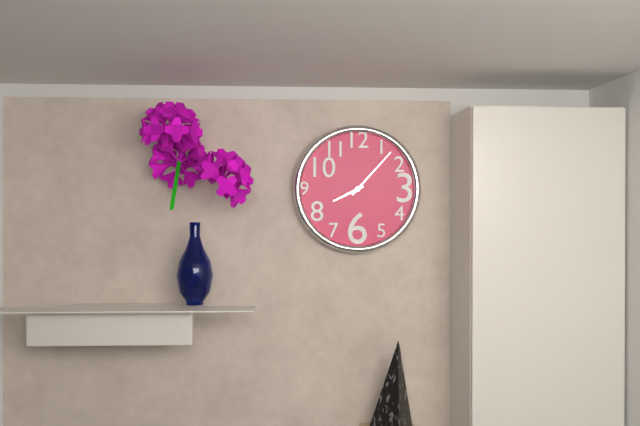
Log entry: 8,07
